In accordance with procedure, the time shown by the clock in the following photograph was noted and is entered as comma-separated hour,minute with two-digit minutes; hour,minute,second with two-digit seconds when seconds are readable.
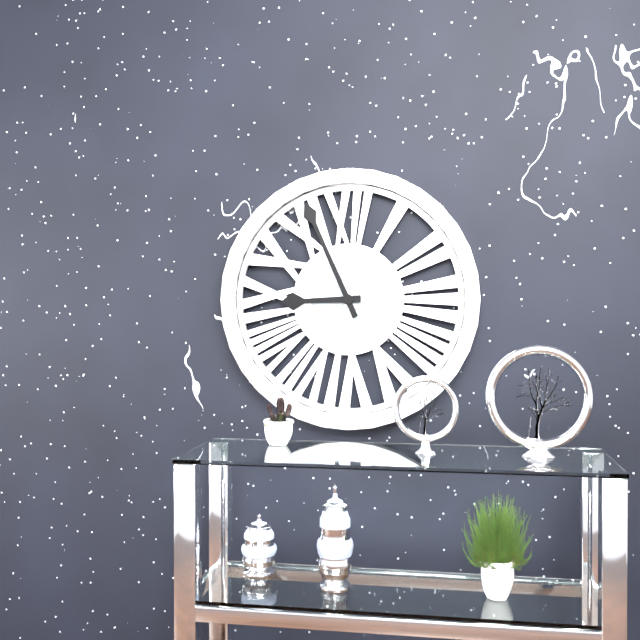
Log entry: 8,56
